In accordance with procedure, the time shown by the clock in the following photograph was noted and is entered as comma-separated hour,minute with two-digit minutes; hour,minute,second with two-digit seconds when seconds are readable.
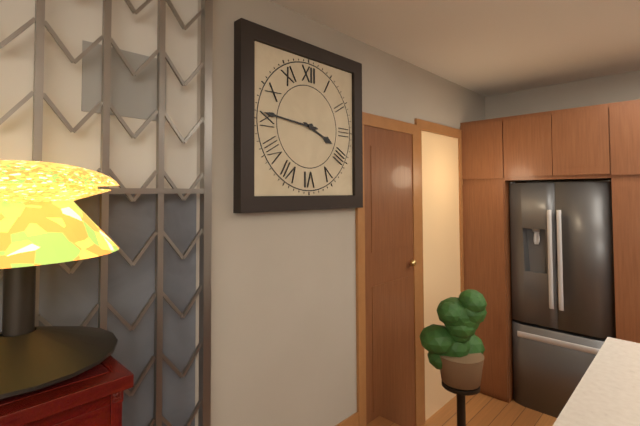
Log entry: 3,46
